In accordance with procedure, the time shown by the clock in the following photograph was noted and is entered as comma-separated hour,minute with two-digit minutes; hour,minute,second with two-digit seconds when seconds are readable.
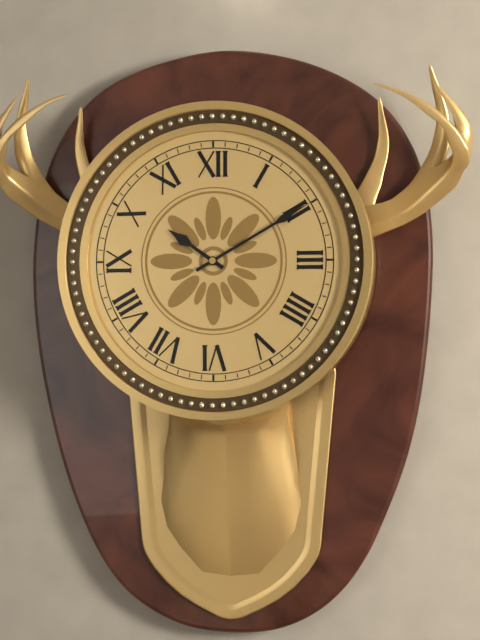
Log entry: 10,10
